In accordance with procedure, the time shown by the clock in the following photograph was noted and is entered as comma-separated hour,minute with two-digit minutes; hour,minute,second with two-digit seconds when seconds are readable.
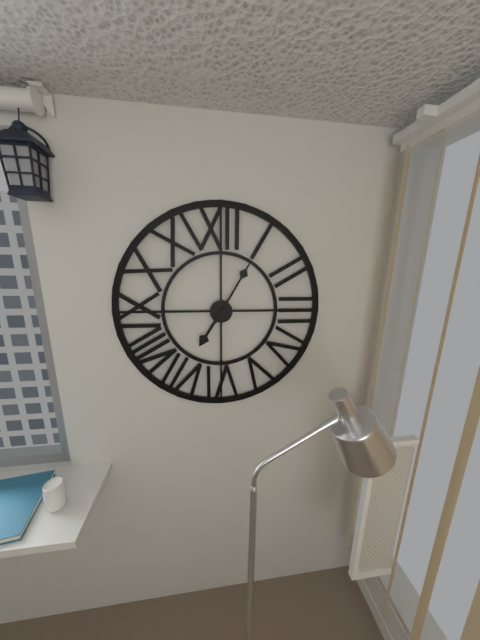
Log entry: 7,05
